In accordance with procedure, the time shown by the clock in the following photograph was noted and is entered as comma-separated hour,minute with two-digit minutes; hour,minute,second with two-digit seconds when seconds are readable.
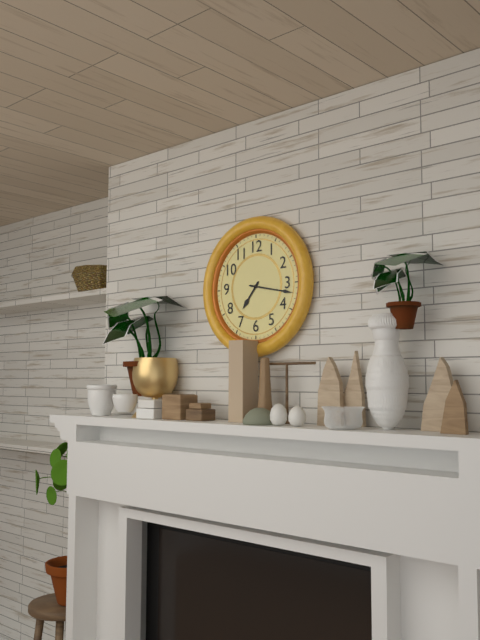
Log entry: 7,17
